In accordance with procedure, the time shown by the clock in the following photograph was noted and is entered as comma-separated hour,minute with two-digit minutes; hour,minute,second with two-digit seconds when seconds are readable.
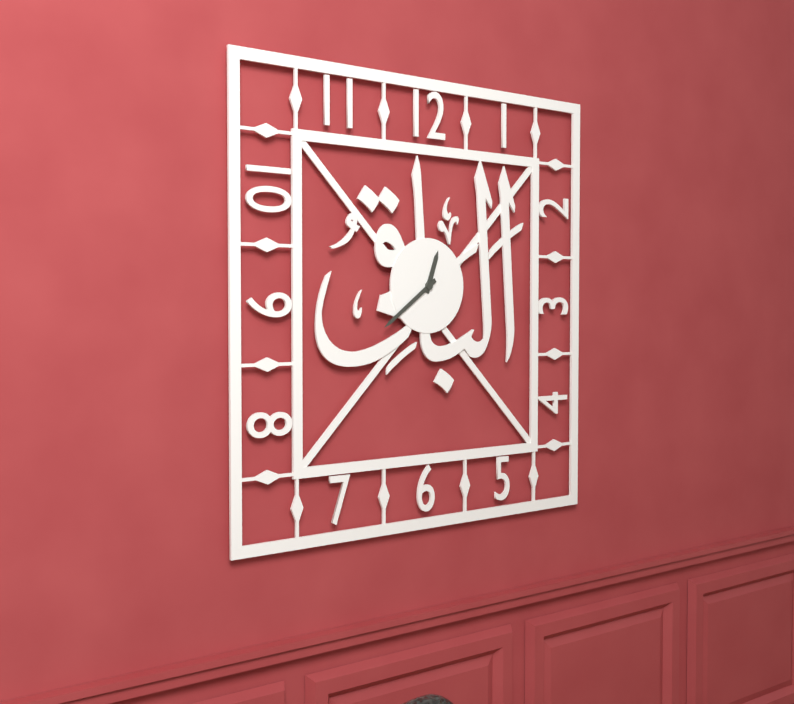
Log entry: 12,39
